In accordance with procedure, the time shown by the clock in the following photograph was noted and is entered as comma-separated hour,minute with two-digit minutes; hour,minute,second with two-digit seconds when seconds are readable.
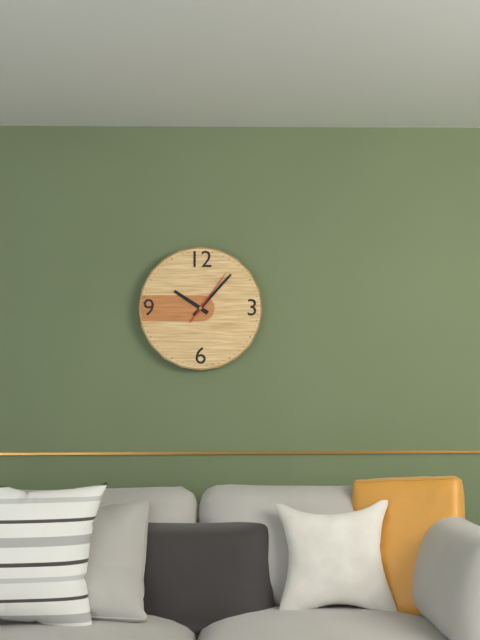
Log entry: 10,07,06
